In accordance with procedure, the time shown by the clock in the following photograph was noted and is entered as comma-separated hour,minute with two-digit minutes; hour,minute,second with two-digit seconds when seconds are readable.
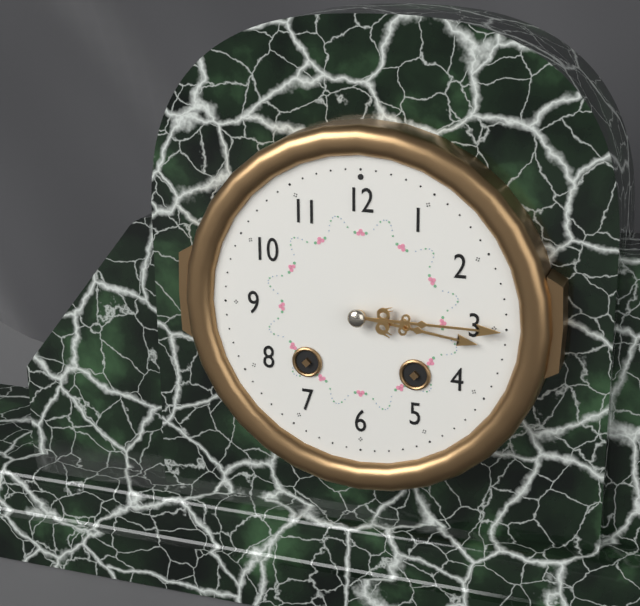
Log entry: 3,15
